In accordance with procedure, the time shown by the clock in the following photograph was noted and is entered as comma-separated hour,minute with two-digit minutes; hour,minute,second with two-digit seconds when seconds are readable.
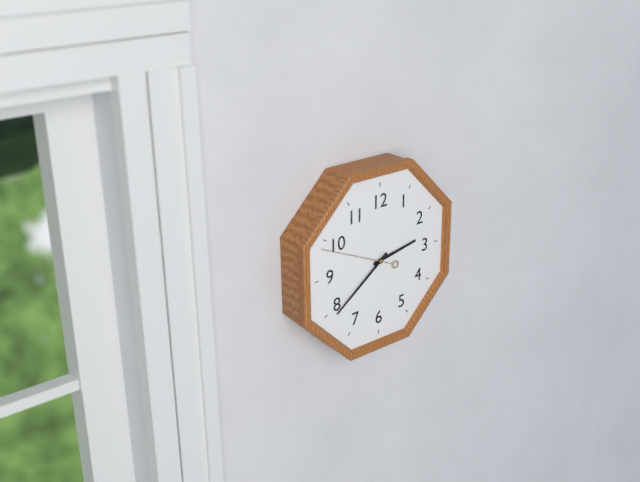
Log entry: 2,39
